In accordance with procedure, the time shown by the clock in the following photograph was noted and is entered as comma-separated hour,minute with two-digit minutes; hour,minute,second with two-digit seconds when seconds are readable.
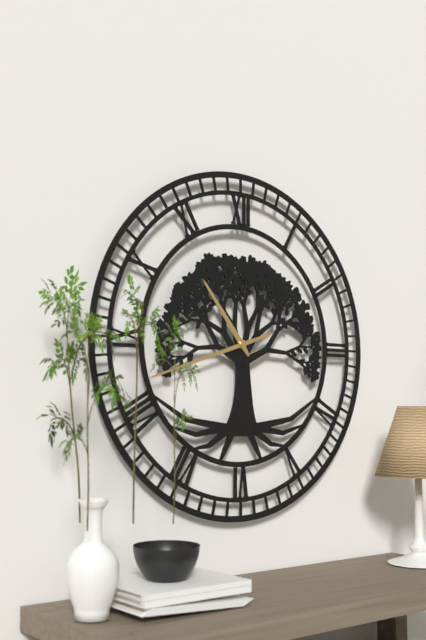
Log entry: 10,42
